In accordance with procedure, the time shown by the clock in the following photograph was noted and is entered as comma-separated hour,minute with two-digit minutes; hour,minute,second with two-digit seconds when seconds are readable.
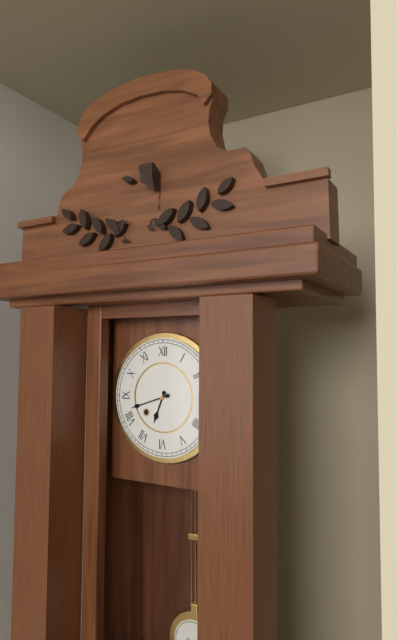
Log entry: 6,42
